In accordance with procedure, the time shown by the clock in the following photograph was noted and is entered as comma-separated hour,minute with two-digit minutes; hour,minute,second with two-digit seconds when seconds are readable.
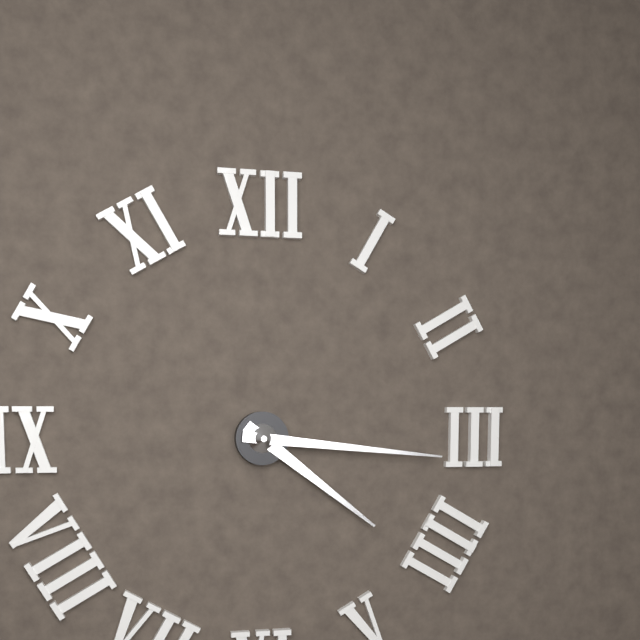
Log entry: 4,16
